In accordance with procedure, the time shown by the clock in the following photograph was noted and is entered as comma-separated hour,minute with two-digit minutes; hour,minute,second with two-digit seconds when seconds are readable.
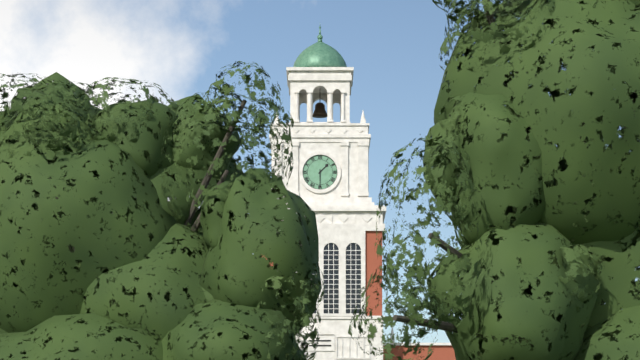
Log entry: 1,30
